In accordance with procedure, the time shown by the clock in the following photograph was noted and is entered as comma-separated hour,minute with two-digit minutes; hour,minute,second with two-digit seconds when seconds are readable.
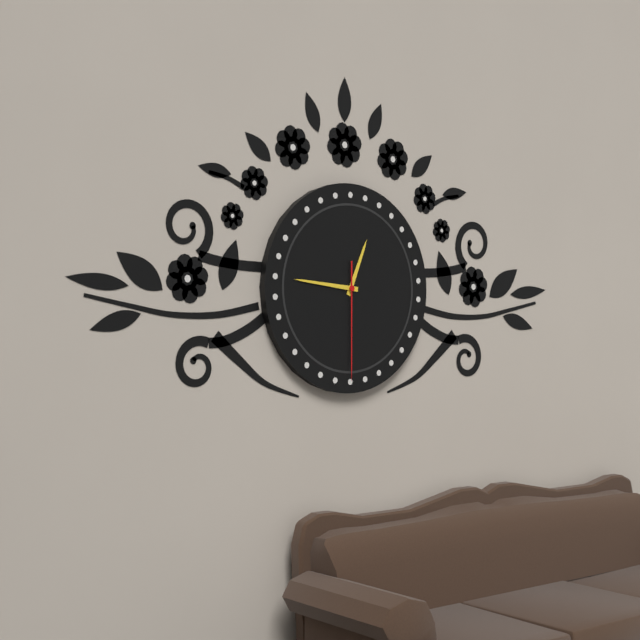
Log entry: 12,46,30
